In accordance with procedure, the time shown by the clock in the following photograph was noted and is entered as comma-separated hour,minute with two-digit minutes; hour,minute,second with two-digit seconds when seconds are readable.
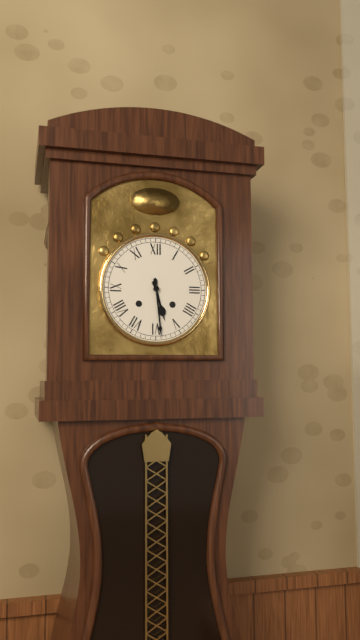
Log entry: 5,29
